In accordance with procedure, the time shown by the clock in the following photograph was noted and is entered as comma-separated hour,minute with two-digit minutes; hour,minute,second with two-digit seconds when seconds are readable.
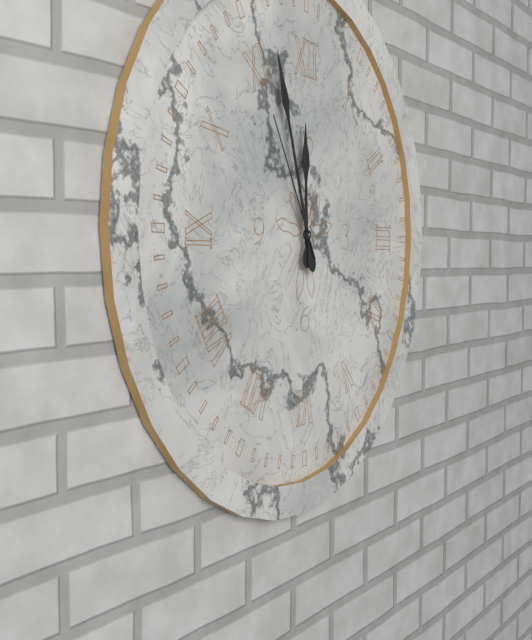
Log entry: 11,57,55
